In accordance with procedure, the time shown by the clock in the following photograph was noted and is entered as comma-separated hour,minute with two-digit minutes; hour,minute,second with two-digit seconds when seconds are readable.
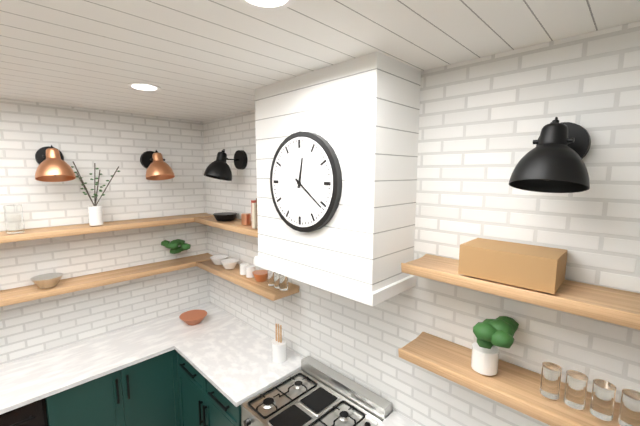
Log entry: 12,21
